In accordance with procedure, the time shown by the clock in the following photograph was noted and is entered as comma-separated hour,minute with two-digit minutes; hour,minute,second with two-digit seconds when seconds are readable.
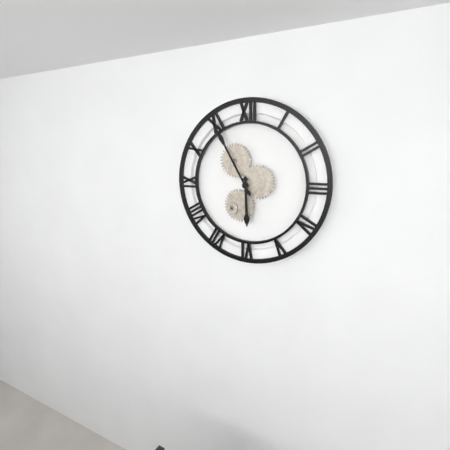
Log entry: 5,55
